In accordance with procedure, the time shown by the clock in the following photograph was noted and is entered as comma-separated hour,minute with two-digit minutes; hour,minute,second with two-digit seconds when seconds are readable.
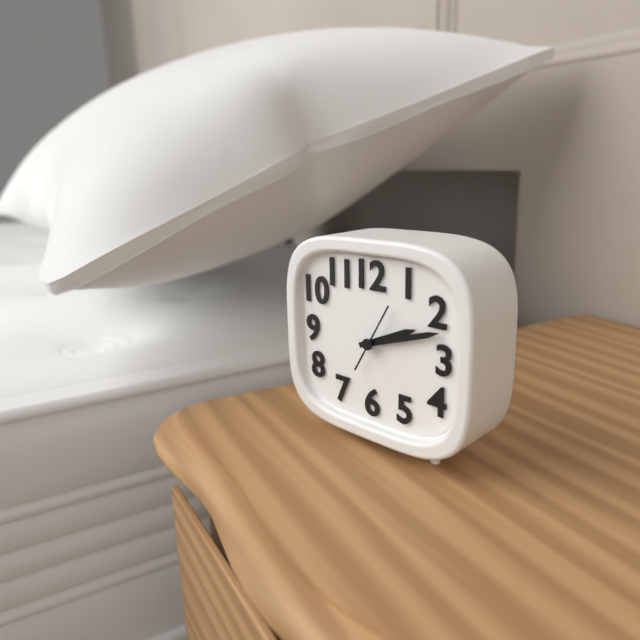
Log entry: 2,12,05
